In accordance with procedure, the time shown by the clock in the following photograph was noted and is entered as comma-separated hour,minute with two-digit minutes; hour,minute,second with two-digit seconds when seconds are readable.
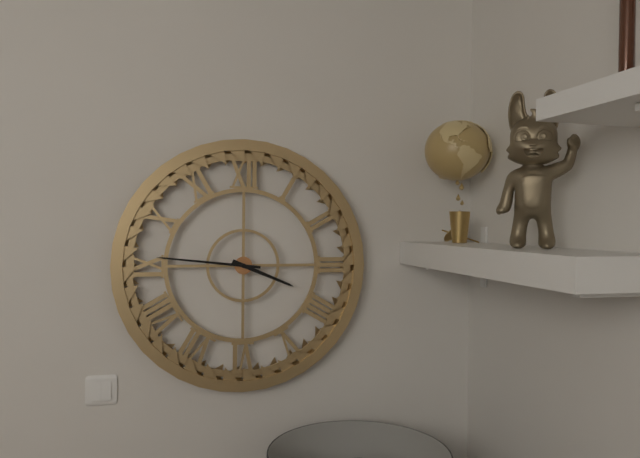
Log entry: 3,46
